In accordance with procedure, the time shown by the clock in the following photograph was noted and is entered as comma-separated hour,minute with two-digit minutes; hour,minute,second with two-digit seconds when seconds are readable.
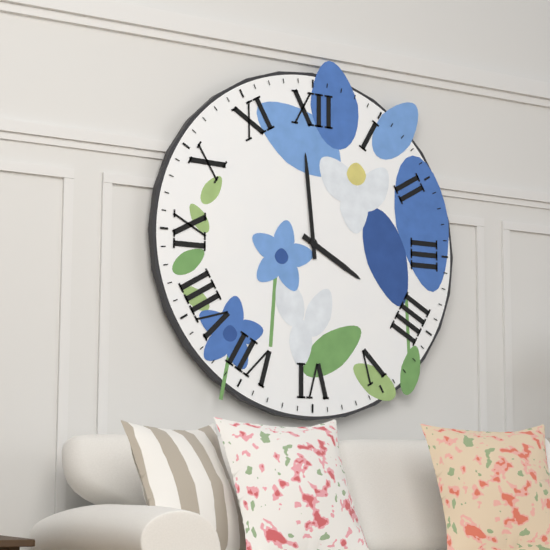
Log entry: 3,59
